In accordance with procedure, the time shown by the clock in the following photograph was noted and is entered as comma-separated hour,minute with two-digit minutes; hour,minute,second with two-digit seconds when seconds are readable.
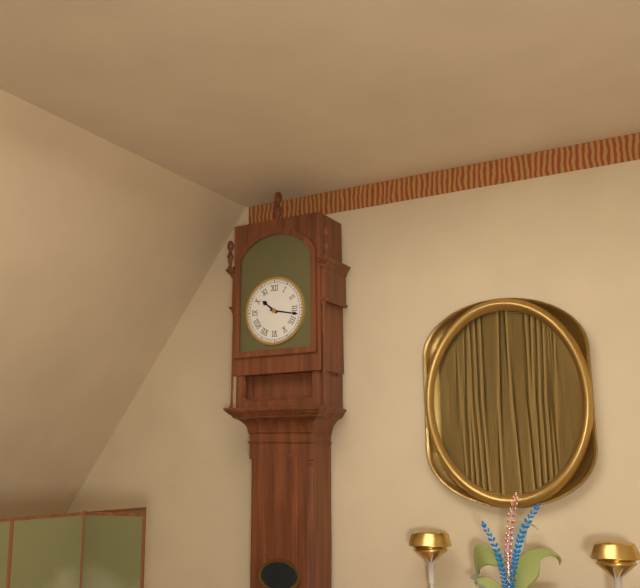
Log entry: 10,17
